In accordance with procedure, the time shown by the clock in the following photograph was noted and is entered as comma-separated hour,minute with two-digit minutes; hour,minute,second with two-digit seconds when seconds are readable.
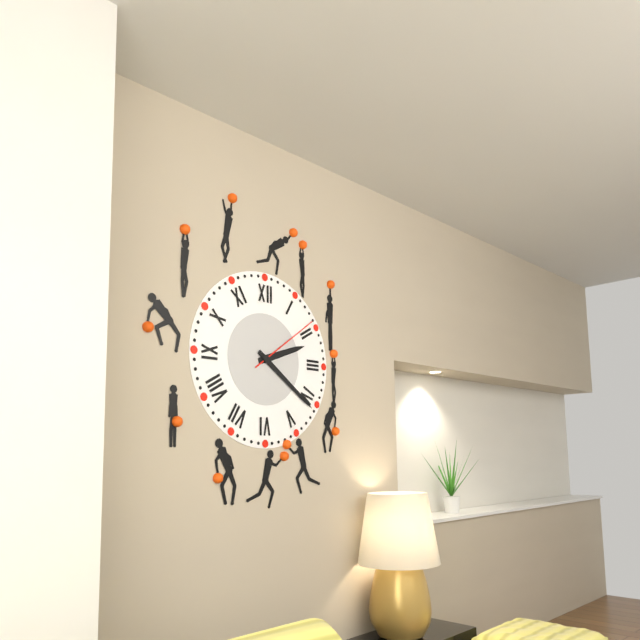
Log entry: 2,21,09
